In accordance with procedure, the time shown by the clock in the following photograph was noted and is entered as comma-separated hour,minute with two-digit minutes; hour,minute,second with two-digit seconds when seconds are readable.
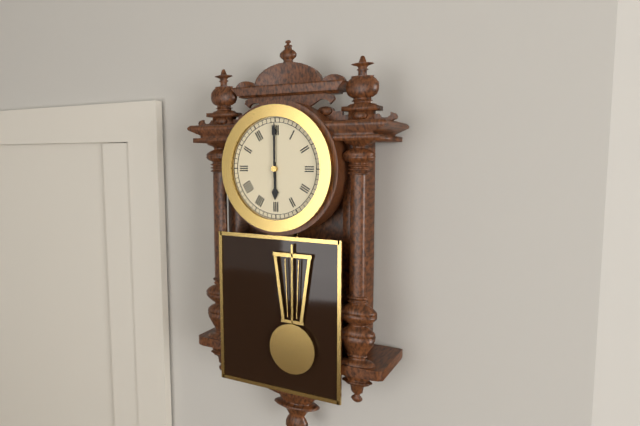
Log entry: 6,00
